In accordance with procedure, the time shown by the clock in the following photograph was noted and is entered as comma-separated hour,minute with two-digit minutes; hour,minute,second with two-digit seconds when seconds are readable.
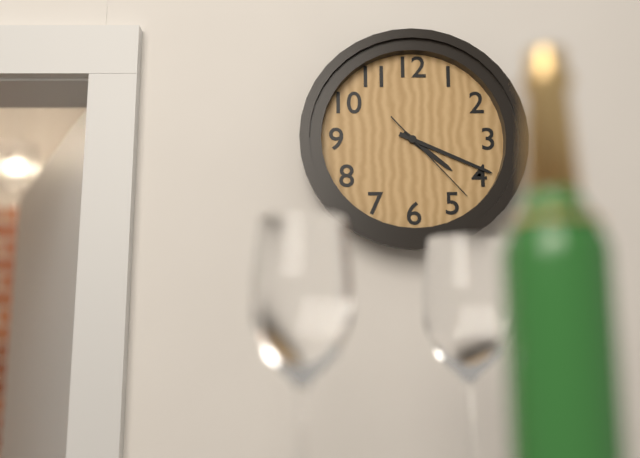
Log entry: 4,19,23
